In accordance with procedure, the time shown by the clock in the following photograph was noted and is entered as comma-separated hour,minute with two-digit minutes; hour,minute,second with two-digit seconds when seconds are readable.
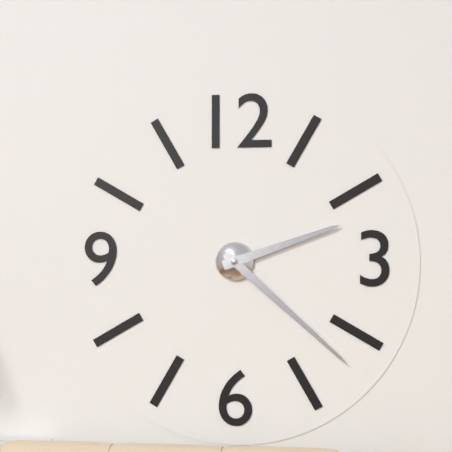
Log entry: 2,22
